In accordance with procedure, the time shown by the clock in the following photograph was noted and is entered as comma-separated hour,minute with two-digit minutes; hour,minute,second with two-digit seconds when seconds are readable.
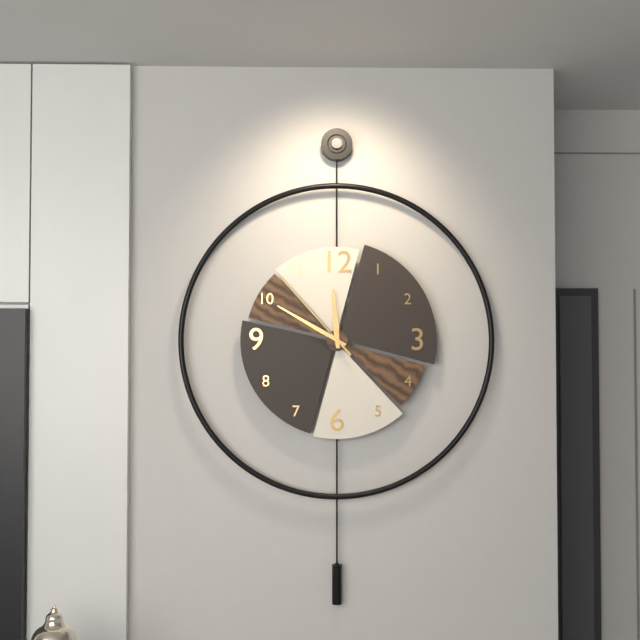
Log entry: 11,50,53
